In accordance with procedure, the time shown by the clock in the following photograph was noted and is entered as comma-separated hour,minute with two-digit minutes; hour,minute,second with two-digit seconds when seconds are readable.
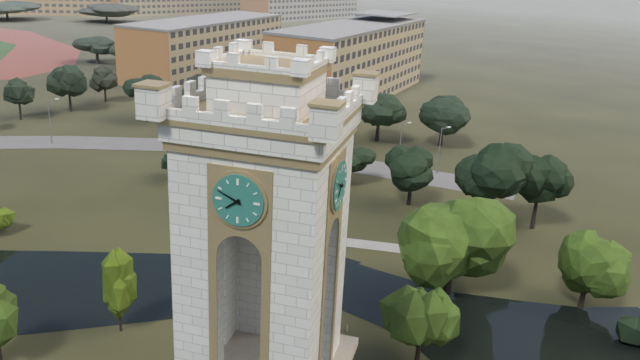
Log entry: 7,49
